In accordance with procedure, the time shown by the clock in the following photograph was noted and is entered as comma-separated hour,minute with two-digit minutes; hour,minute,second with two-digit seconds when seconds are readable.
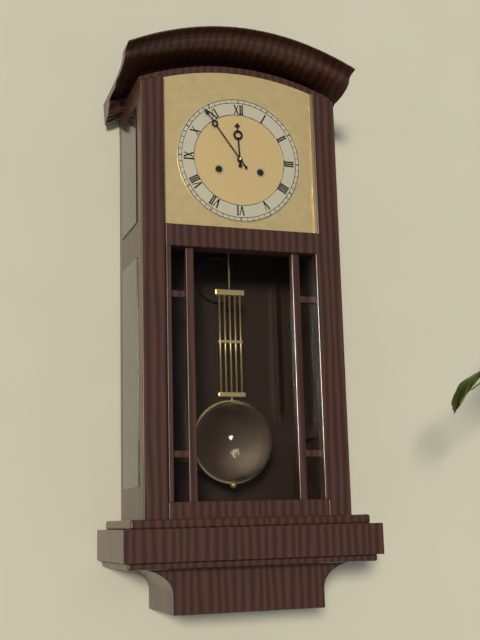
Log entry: 11,54
